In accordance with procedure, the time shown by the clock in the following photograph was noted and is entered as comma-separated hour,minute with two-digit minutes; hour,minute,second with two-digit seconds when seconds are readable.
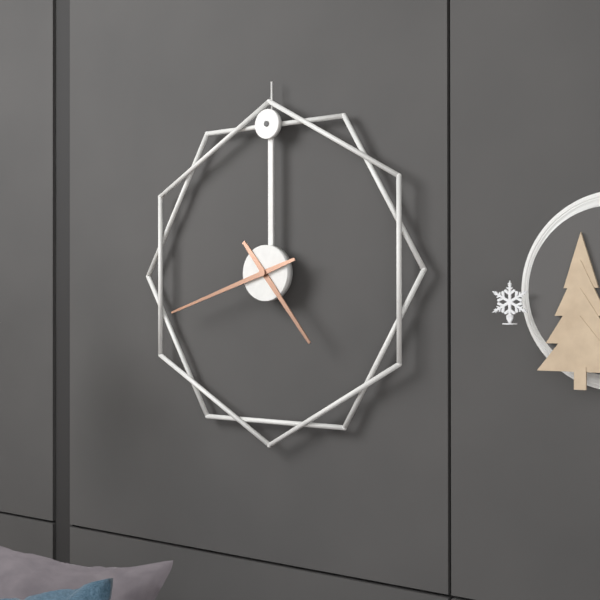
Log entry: 4,42
